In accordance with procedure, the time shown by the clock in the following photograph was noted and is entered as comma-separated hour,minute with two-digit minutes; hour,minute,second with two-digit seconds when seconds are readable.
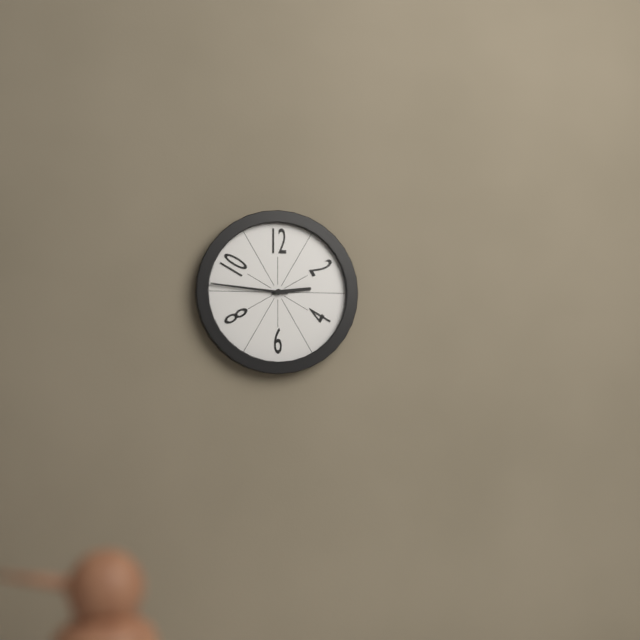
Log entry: 2,46
